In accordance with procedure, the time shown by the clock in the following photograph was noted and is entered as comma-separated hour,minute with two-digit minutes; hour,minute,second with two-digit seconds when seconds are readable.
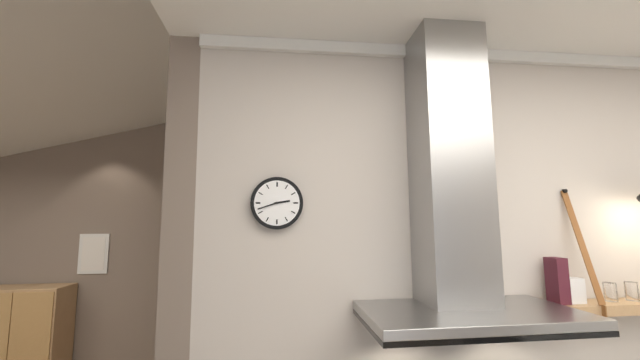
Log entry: 2,42
